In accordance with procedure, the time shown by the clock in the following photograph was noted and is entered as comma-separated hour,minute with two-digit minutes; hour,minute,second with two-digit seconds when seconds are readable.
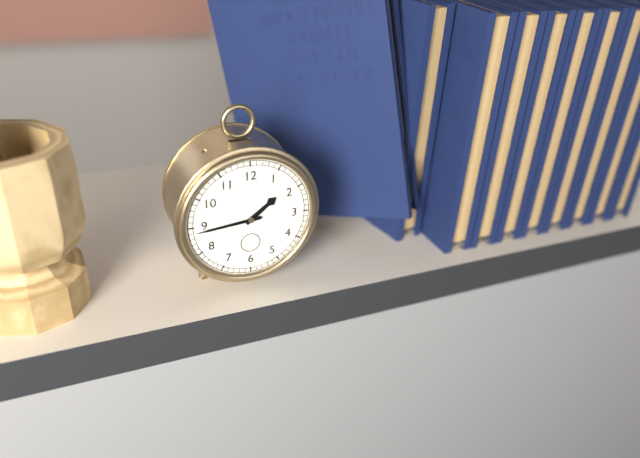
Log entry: 1,44
